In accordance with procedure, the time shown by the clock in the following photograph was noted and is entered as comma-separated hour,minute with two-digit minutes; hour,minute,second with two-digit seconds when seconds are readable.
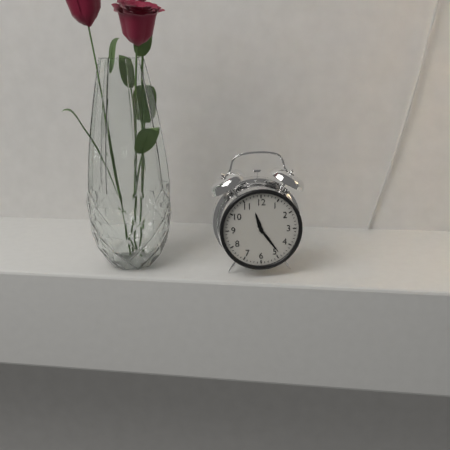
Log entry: 11,24
